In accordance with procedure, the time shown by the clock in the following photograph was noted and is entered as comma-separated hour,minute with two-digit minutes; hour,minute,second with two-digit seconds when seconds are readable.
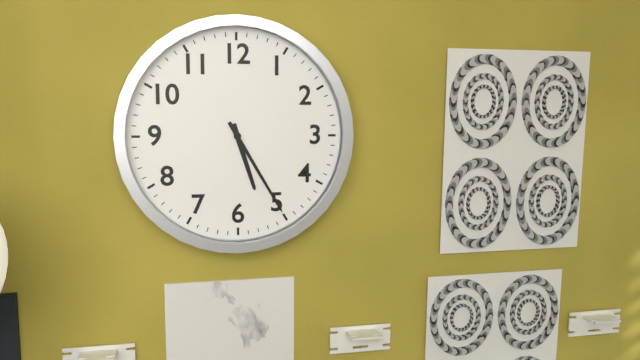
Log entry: 5,25
